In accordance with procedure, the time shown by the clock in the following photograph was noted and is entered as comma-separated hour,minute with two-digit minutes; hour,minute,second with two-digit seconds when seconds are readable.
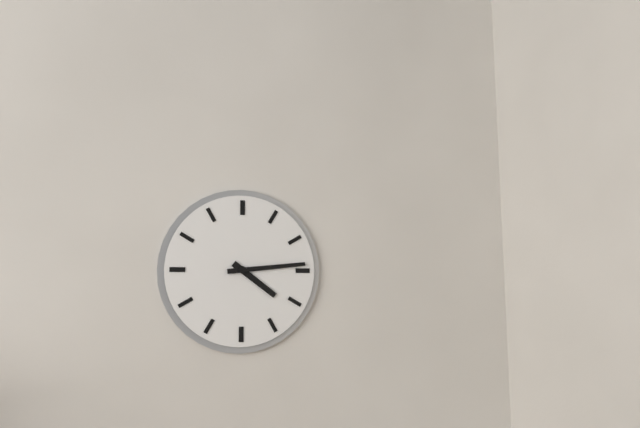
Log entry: 4,14
